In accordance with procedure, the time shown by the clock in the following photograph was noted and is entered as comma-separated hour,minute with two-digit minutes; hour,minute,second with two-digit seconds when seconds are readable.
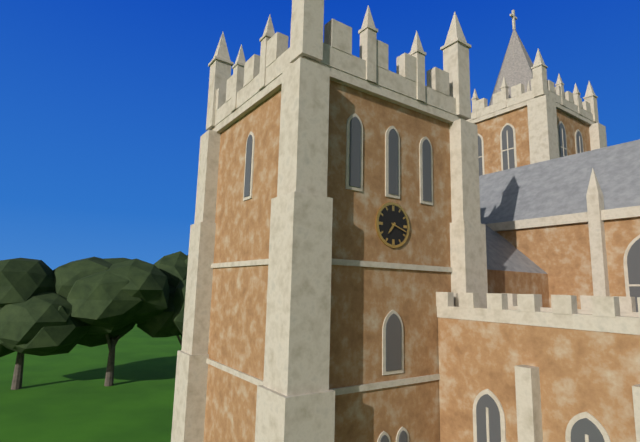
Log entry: 7,18
